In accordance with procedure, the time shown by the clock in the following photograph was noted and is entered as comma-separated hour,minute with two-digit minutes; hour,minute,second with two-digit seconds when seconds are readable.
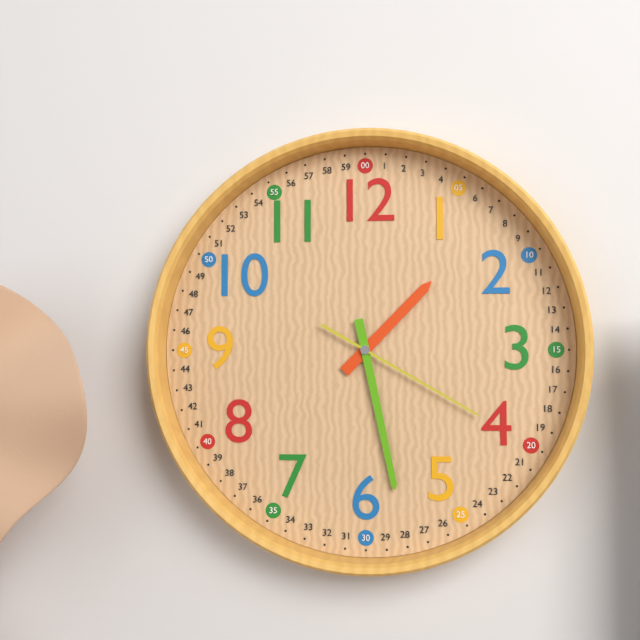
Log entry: 1,28,20
